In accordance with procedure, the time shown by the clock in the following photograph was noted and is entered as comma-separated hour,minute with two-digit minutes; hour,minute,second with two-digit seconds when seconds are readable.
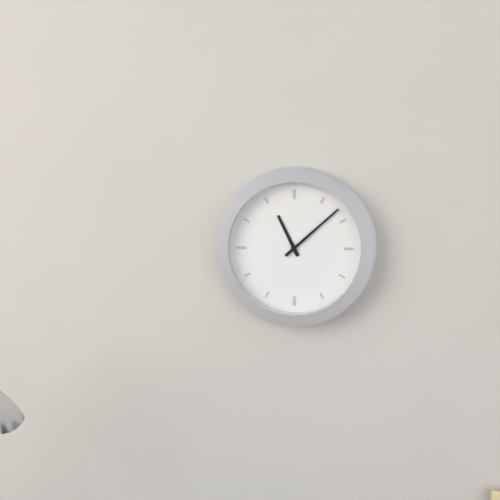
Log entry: 11,08
